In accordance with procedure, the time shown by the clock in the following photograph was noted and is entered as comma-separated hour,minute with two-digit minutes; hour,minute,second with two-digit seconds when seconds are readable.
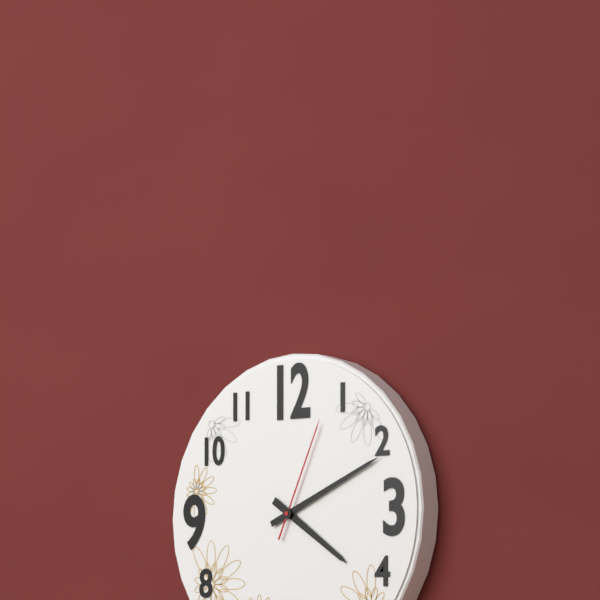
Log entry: 4,11,04
